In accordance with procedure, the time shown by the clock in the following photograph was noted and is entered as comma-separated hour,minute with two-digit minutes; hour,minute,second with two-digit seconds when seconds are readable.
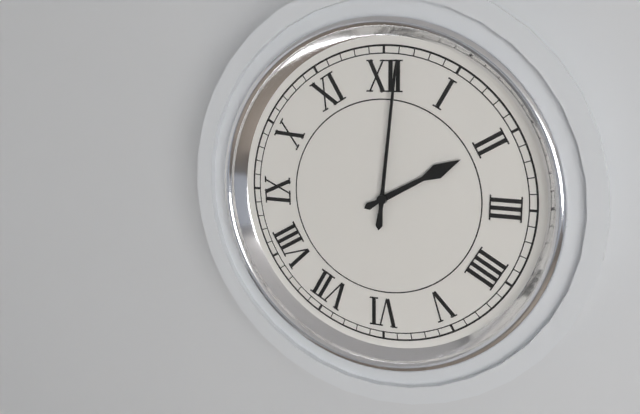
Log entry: 2,01
